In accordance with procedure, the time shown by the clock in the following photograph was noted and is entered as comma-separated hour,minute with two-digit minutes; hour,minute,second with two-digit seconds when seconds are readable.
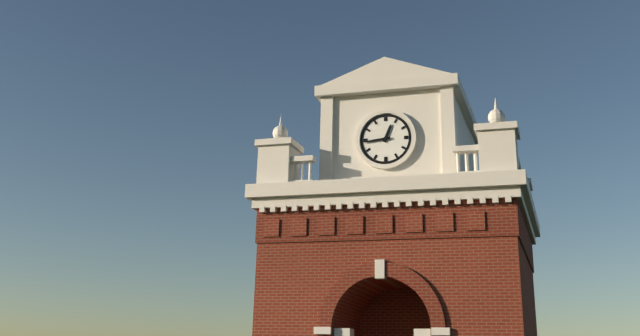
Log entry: 12,44
